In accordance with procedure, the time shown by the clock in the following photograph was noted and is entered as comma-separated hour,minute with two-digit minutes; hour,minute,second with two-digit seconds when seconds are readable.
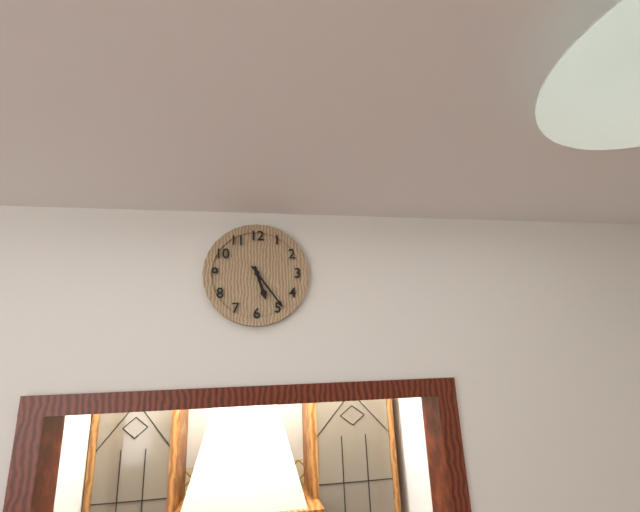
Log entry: 5,24
